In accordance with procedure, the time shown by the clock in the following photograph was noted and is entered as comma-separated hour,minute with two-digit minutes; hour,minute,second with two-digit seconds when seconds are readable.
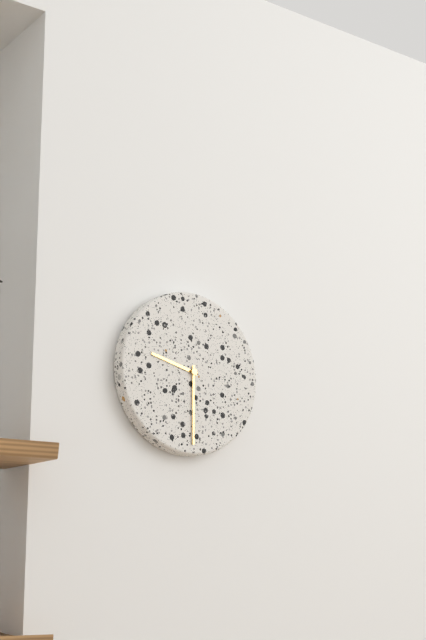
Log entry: 9,30
